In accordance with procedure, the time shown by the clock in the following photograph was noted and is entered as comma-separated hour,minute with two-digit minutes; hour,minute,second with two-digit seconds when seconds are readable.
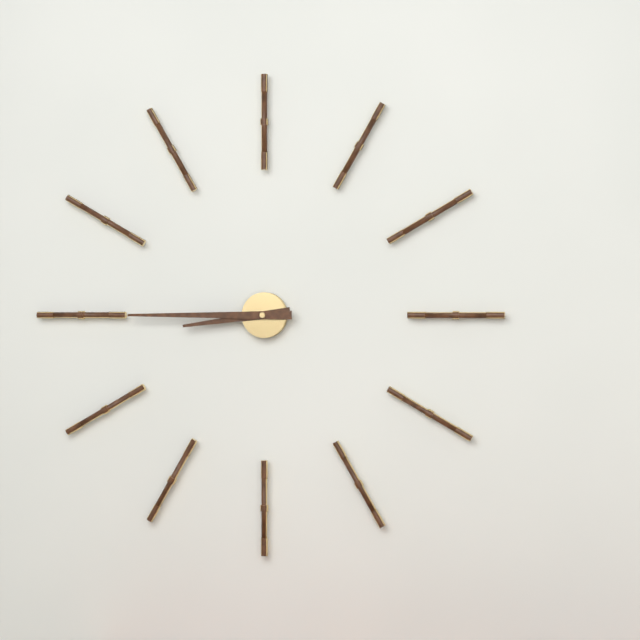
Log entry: 8,45
